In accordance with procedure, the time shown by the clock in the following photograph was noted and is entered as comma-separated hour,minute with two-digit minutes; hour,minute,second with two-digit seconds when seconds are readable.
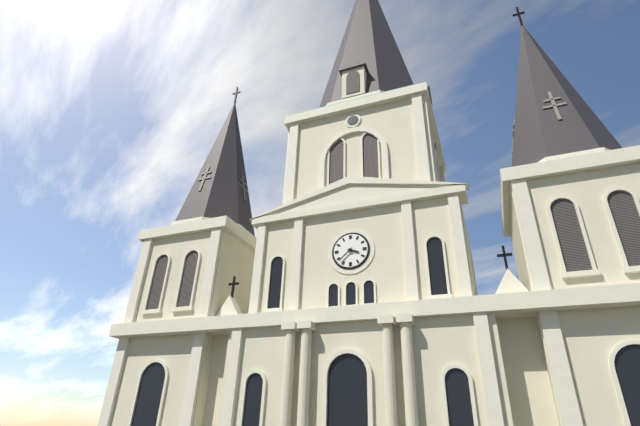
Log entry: 3,38
